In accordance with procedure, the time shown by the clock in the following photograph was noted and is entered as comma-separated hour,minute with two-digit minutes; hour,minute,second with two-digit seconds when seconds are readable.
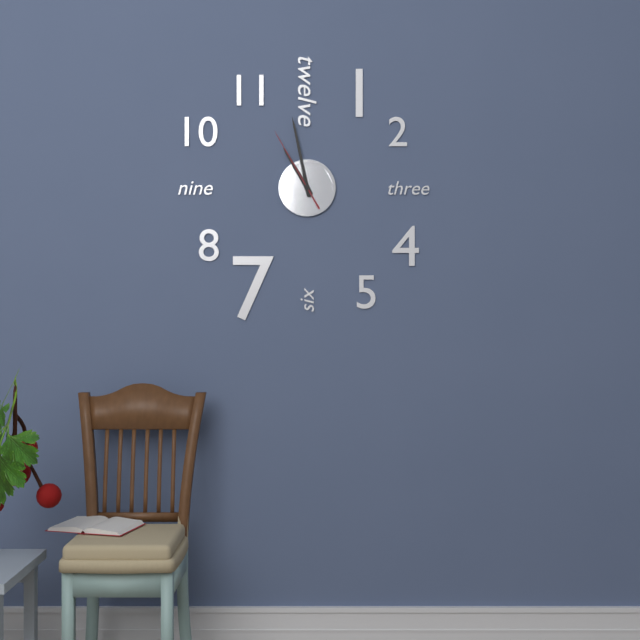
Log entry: 10,58,55
